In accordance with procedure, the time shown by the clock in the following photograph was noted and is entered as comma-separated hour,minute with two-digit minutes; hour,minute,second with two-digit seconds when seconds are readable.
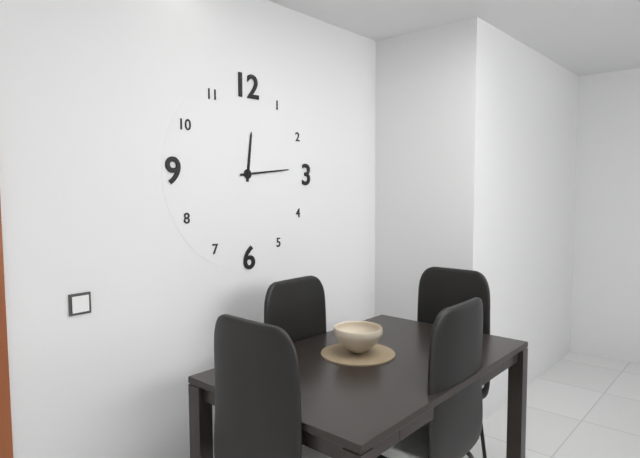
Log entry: 12,14
